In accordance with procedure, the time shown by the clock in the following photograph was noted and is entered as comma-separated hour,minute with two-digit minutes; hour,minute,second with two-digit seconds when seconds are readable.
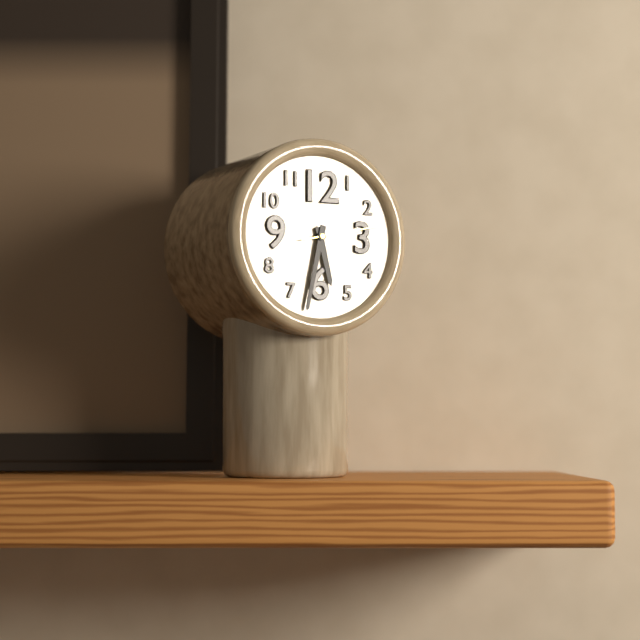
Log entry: 5,32,13
